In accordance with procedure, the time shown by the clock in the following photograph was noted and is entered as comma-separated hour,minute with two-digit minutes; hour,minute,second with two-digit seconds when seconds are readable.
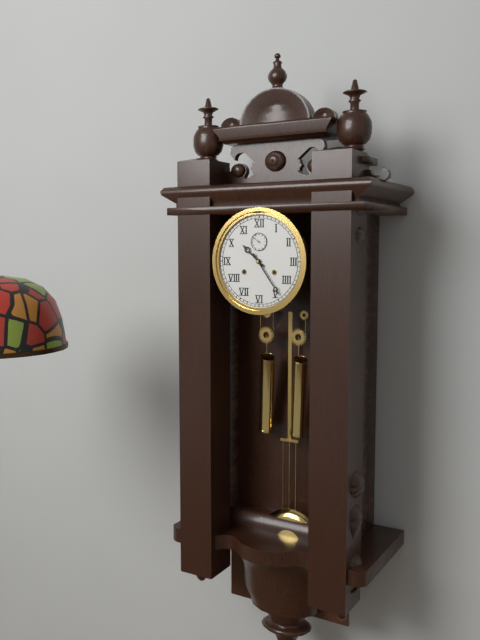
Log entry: 10,24
